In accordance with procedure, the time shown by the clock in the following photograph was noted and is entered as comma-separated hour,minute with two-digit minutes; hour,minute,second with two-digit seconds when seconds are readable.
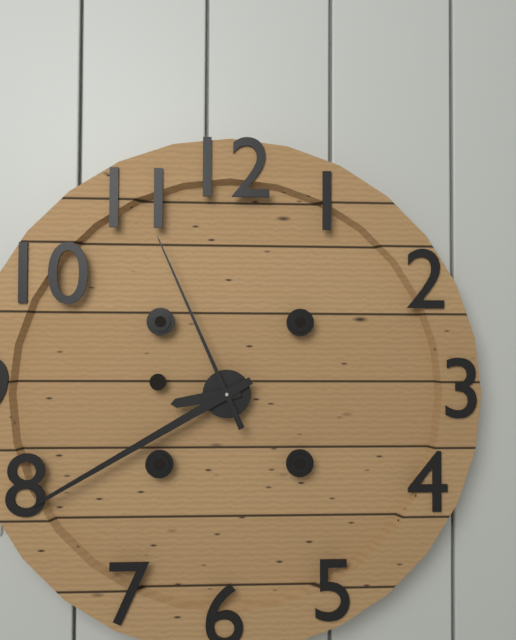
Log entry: 8,40,56
